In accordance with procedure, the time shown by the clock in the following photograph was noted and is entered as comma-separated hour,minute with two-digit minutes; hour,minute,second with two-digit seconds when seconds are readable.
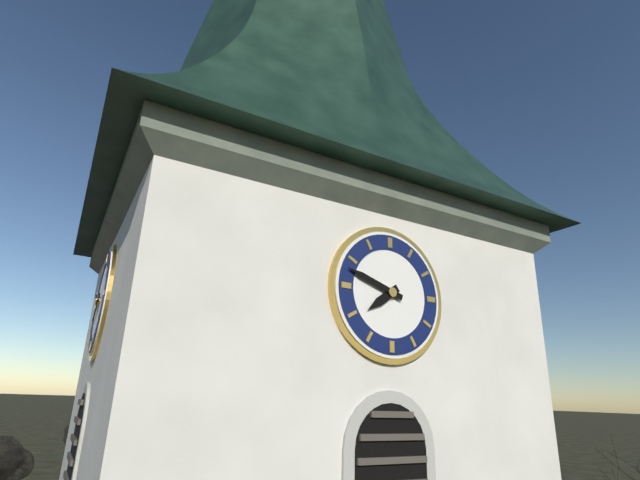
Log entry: 7,48
